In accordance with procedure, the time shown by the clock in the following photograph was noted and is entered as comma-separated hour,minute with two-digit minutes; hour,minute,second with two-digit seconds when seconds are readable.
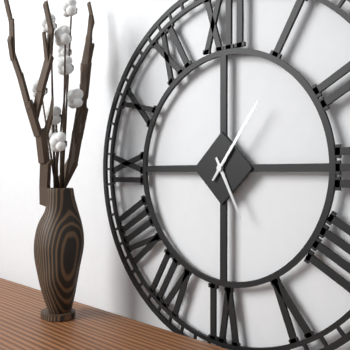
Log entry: 5,06
